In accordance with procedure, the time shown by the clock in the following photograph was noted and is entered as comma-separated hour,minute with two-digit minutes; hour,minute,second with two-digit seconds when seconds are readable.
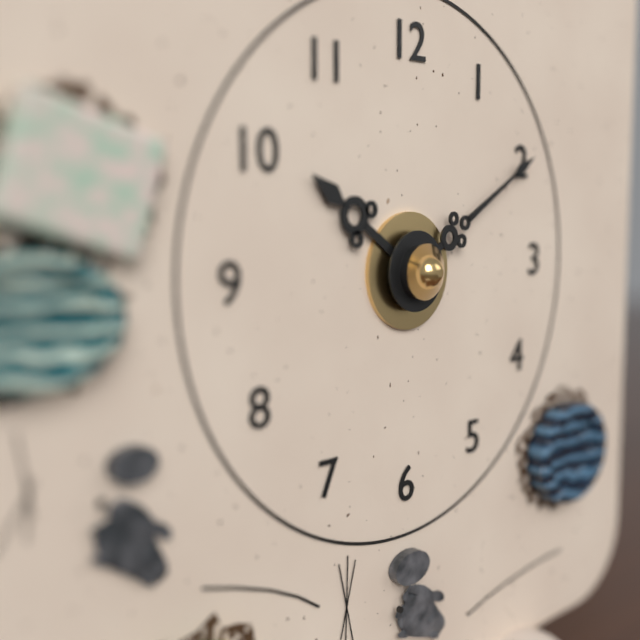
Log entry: 10,10
